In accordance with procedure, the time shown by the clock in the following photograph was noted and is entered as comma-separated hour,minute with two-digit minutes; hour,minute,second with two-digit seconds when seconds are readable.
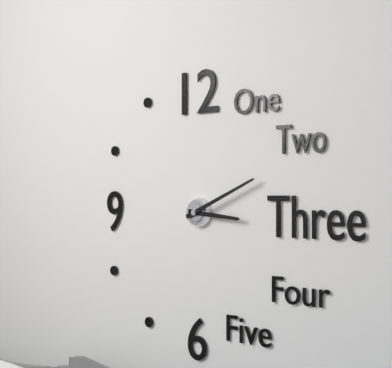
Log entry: 3,11
